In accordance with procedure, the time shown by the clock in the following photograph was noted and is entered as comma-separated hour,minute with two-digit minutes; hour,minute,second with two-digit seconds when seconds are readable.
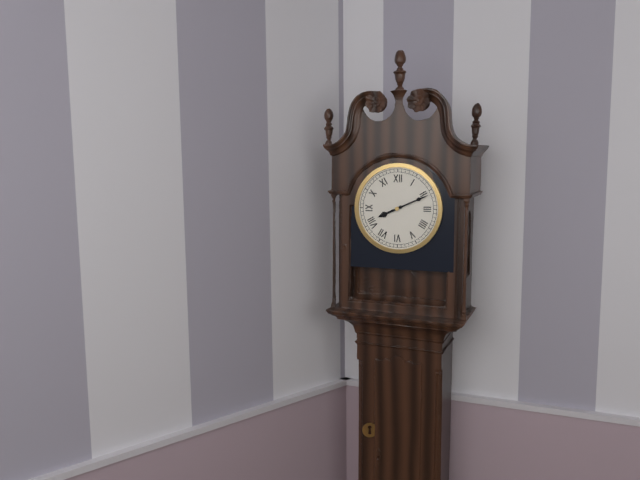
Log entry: 8,11
